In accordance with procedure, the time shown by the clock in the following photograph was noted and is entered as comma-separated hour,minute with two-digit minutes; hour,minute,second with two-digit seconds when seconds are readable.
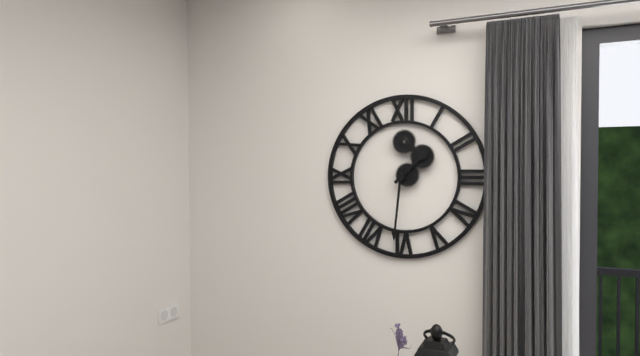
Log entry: 1,31
